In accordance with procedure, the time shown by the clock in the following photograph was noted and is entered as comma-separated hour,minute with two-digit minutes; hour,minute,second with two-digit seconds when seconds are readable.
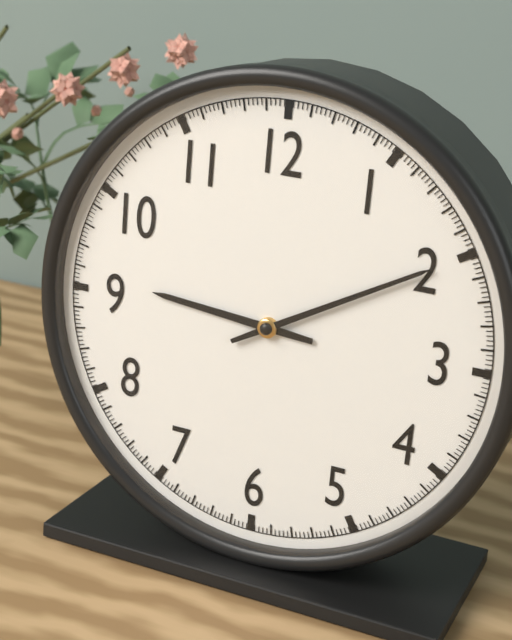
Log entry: 9,10
